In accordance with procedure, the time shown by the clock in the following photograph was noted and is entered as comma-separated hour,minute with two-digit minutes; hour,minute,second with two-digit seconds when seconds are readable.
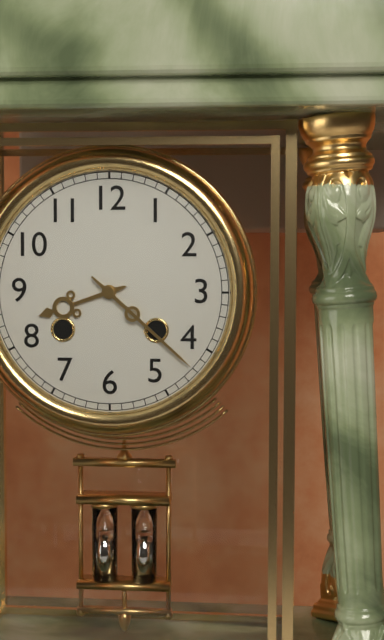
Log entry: 8,22
